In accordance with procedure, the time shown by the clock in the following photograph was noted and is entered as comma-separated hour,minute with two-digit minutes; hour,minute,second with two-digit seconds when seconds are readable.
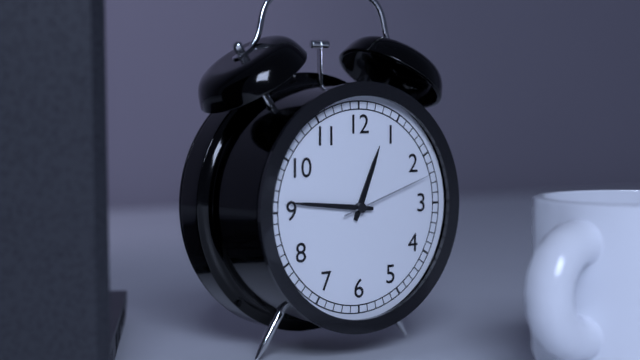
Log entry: 12,46,12
